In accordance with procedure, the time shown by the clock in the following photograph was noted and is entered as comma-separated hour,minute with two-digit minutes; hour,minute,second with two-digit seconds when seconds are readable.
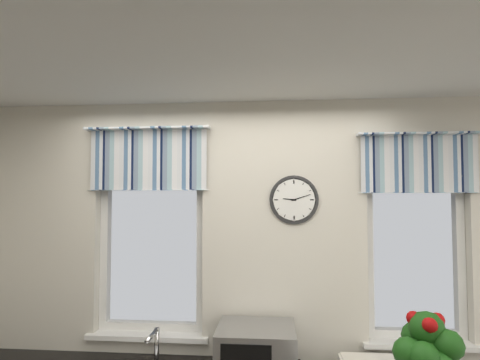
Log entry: 9,12
